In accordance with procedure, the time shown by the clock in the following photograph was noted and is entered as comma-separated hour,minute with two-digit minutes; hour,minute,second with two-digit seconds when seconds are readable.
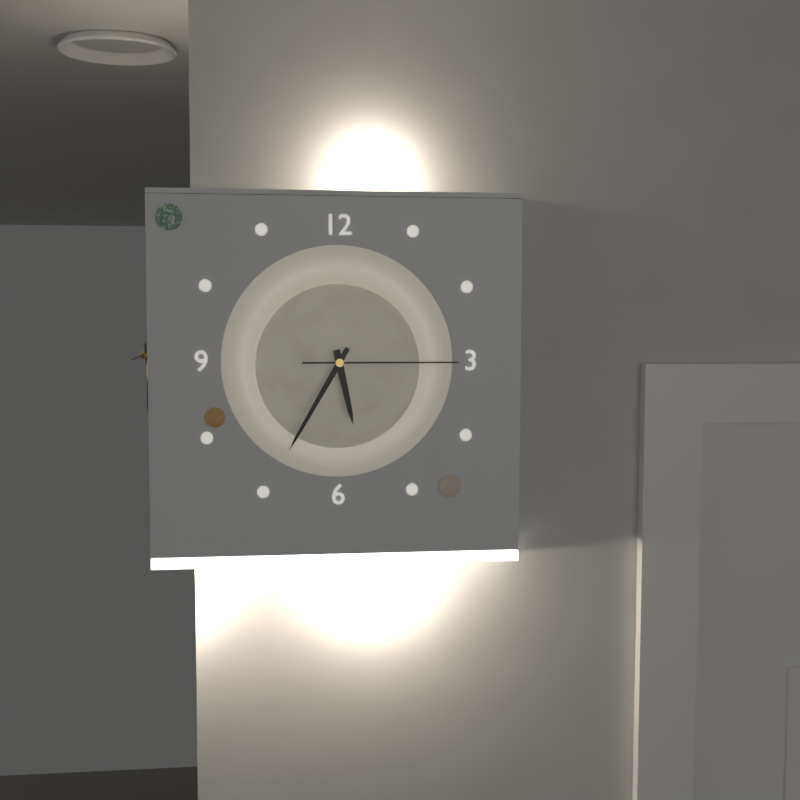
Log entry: 5,35,15
